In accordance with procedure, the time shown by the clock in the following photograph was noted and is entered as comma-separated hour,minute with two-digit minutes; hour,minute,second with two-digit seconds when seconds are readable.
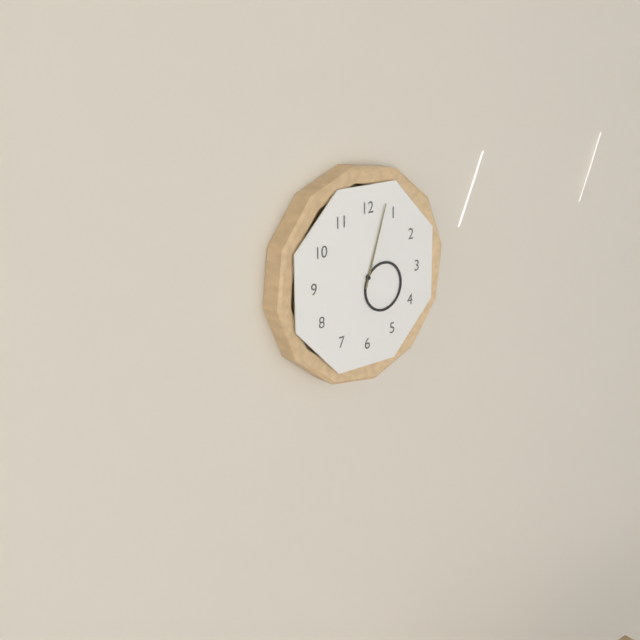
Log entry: 4,03
